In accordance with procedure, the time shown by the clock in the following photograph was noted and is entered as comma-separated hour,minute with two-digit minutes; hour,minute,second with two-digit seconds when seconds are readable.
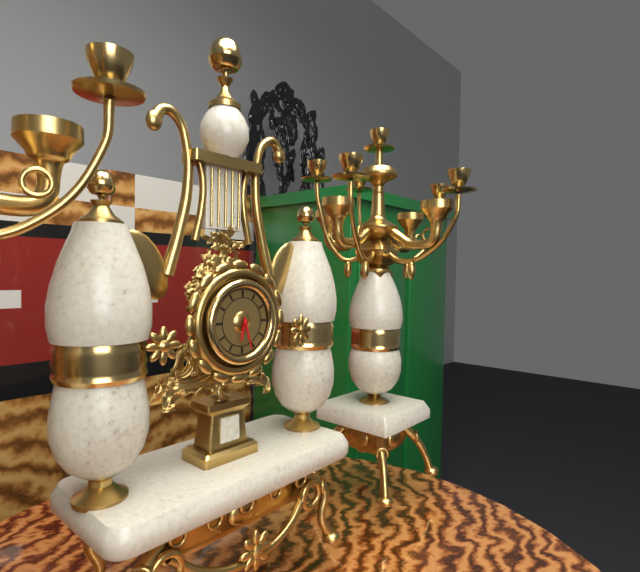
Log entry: 6,27
